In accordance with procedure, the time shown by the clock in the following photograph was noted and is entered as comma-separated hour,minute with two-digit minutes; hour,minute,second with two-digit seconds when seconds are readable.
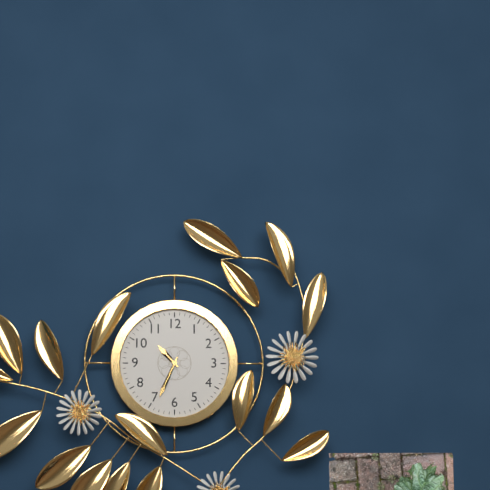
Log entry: 10,34
